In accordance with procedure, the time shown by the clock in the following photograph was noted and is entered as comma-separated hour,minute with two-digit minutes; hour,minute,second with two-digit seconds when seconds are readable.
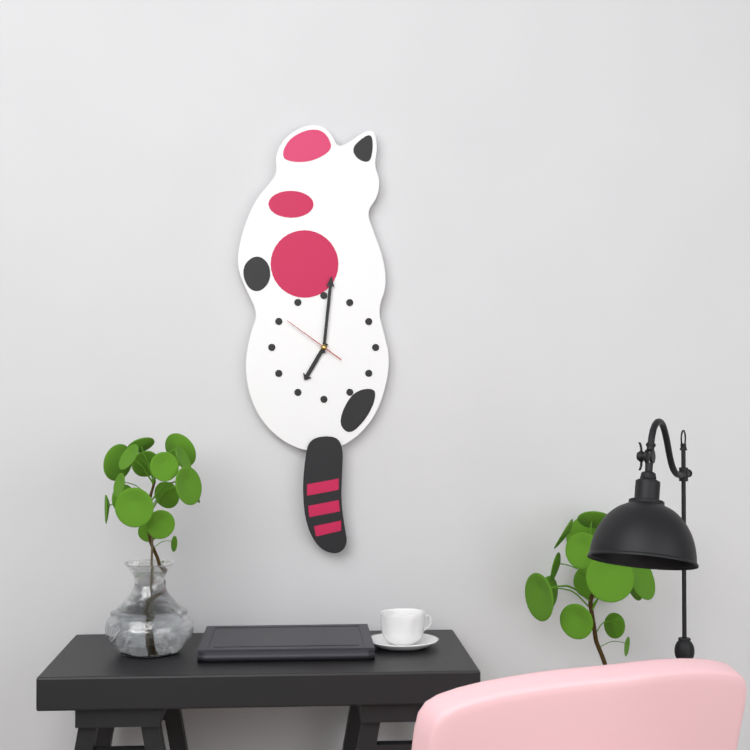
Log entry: 7,01,51
